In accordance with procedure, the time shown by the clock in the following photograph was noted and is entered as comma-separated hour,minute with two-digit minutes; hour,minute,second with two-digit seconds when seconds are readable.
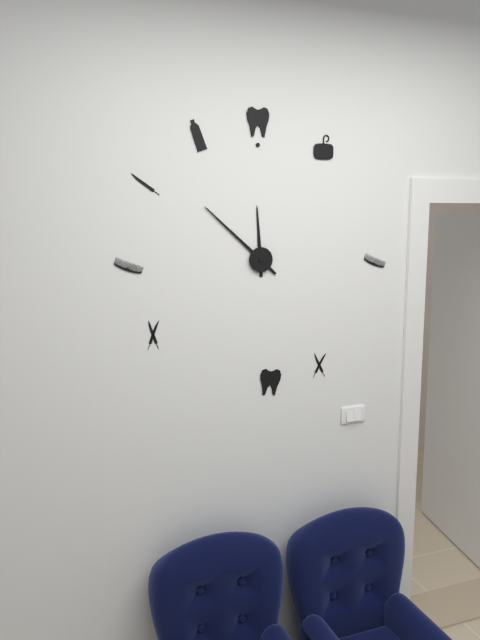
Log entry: 11,52
